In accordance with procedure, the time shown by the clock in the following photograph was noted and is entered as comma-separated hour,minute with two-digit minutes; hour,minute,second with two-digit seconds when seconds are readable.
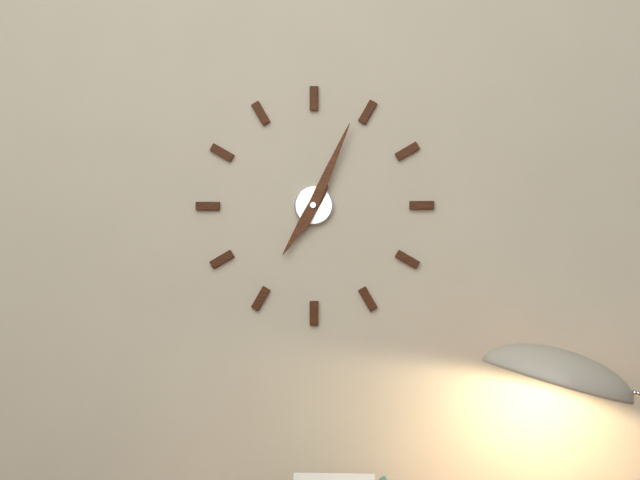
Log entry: 7,04
